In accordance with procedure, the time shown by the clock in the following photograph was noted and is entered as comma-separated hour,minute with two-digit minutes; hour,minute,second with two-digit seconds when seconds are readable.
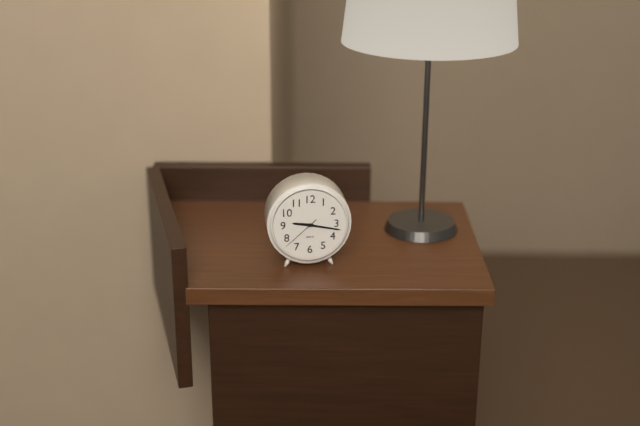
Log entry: 9,17
